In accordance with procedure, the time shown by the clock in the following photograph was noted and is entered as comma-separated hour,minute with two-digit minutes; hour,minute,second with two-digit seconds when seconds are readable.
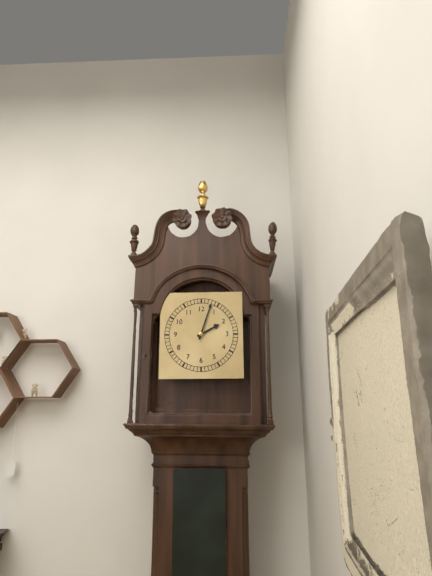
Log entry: 2,03
